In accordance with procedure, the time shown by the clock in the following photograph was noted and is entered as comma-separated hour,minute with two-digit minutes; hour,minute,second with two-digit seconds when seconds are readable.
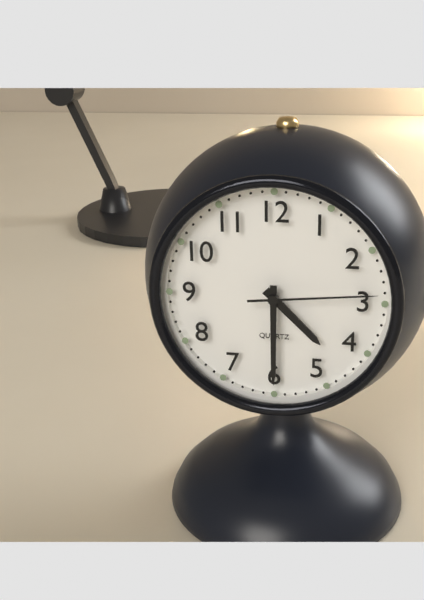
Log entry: 4,30,14
